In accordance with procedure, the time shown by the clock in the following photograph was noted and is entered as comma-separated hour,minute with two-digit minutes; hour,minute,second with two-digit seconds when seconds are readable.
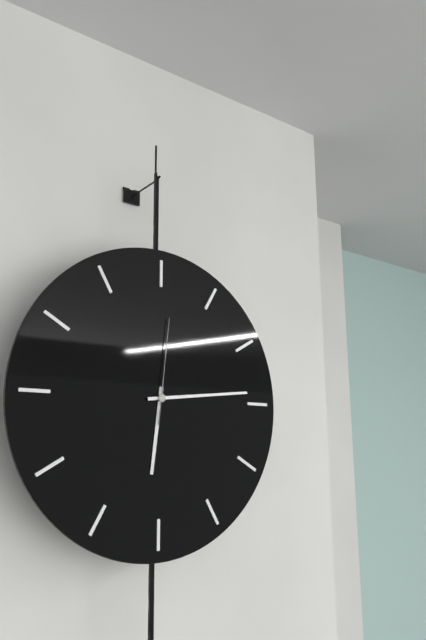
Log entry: 6,14,01
